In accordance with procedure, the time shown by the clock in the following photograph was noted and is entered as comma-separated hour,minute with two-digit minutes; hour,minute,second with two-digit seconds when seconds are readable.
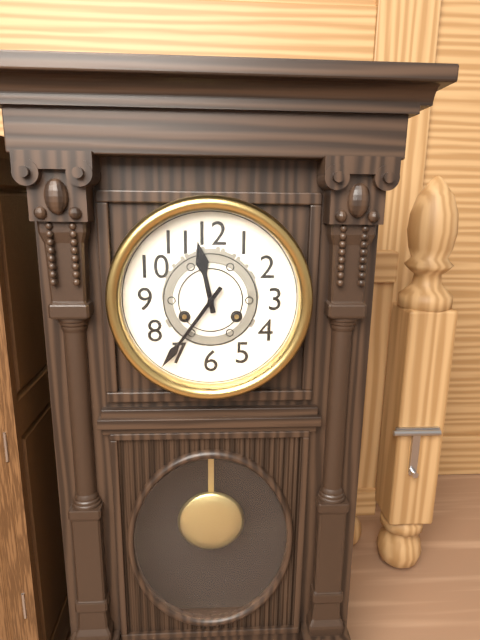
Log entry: 11,36
